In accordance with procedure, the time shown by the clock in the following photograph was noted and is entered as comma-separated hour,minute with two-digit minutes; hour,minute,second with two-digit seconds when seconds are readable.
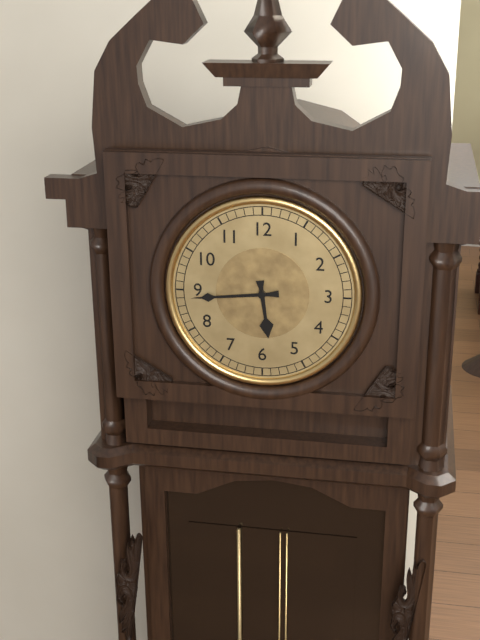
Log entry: 5,44
